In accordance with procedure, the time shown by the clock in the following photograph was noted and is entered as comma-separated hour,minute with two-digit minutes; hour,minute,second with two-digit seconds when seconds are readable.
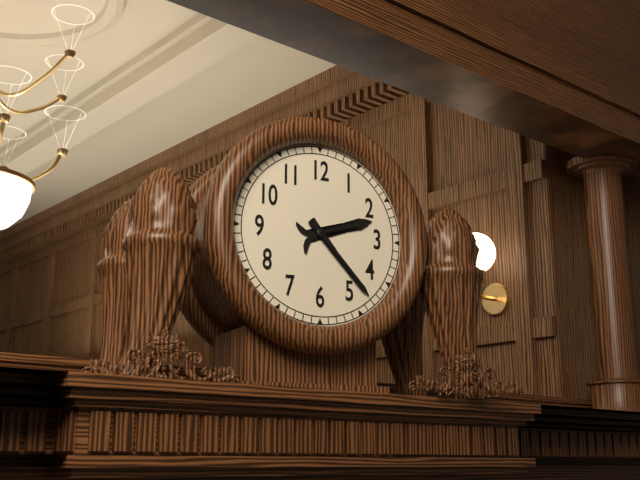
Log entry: 2,23
